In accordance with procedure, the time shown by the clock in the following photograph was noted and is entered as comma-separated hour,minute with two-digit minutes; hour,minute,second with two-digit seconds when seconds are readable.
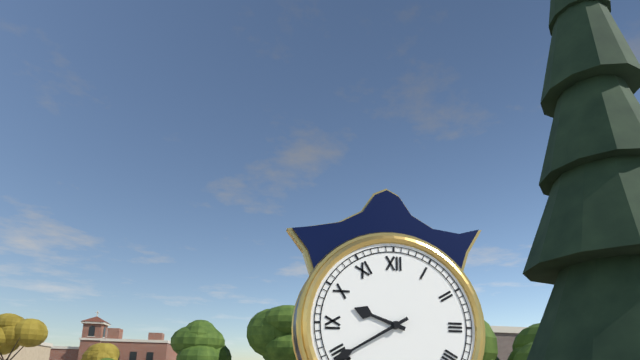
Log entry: 9,40
